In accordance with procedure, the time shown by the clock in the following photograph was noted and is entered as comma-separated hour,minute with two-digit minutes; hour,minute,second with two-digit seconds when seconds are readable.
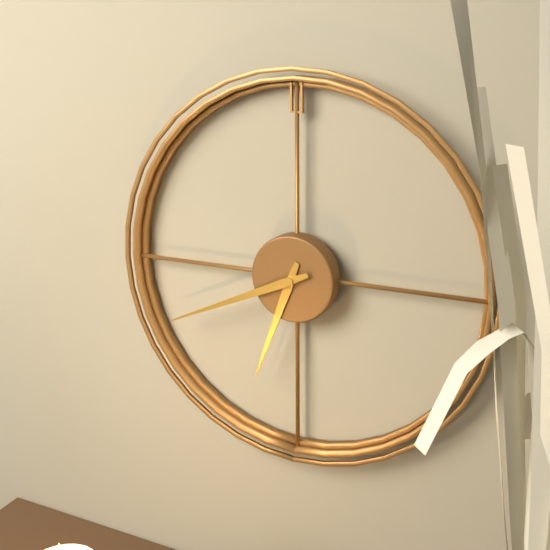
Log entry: 6,41
